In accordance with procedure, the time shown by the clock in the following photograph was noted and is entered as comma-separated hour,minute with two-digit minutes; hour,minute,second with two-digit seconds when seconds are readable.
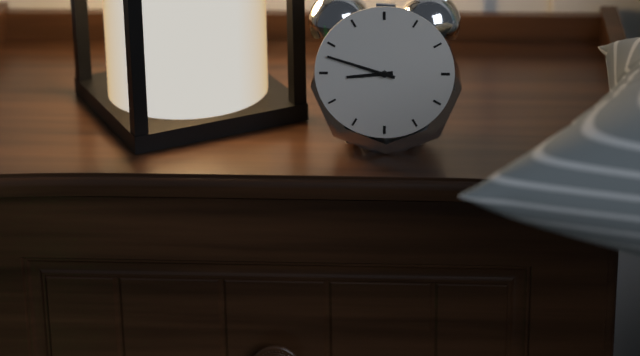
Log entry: 8,48
